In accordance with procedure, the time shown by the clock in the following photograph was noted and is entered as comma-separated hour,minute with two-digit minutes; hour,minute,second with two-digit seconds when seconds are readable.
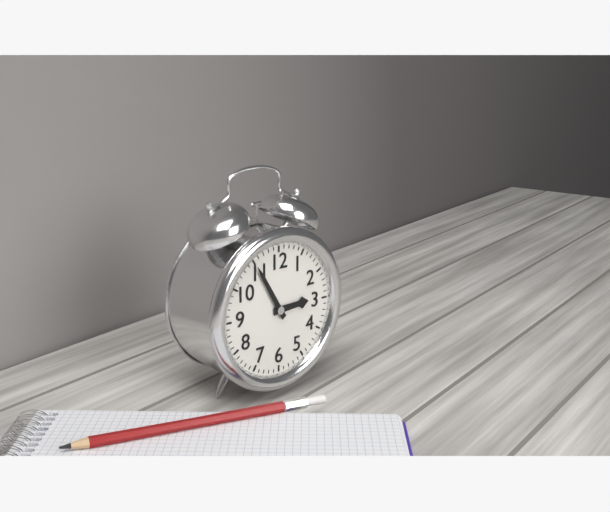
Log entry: 2,55
